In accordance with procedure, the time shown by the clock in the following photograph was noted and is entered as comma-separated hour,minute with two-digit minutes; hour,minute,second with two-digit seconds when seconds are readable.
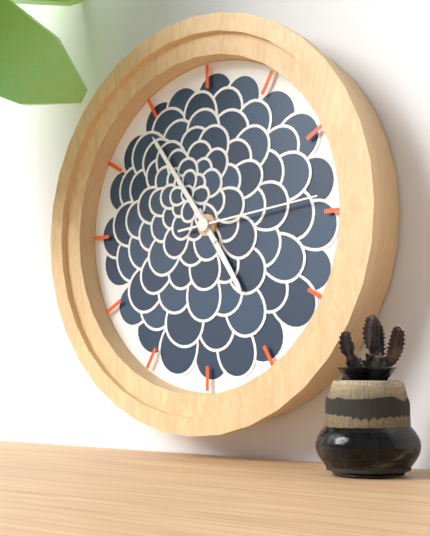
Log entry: 4,54,14
